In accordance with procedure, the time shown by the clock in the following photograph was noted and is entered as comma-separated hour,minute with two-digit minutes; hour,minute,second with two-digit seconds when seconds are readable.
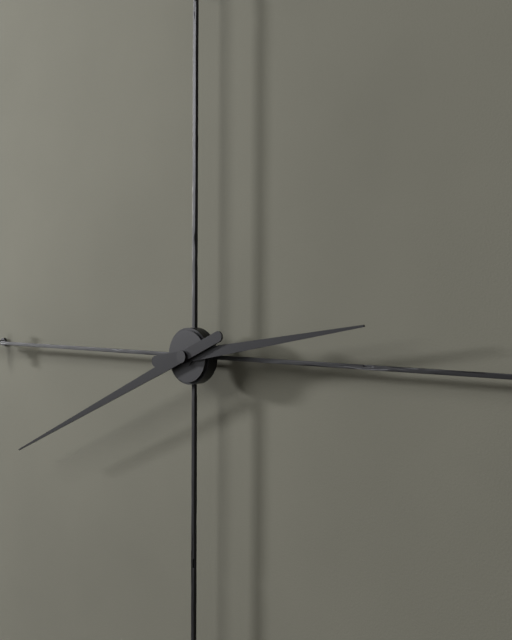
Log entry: 2,41
